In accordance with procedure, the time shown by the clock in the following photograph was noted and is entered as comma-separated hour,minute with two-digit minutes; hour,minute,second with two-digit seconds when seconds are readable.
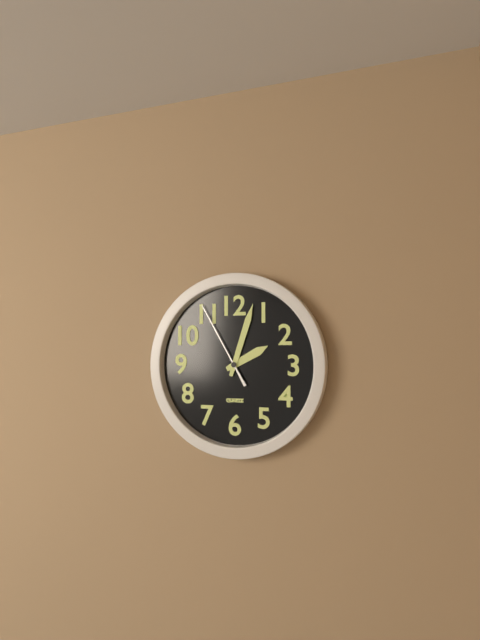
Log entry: 2,03,55
